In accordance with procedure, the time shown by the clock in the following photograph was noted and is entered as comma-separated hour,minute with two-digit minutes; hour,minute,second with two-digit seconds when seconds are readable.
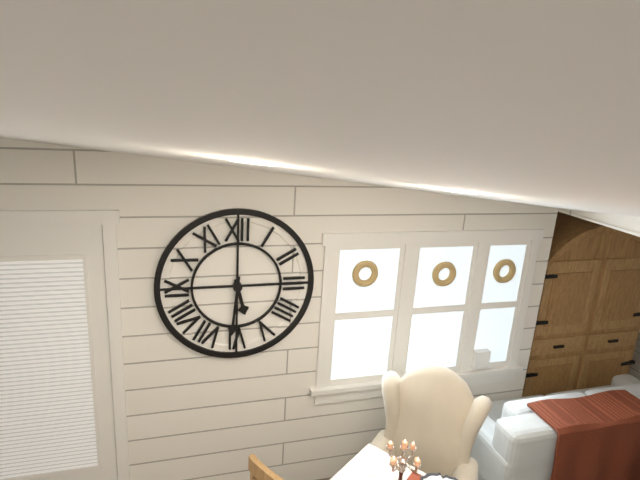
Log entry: 5,31
